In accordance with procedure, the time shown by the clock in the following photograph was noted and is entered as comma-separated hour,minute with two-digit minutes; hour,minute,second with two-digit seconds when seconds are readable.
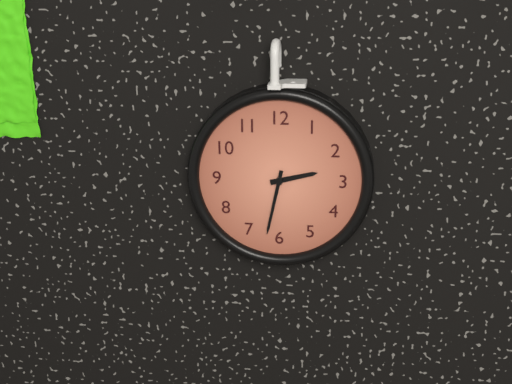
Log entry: 2,32
